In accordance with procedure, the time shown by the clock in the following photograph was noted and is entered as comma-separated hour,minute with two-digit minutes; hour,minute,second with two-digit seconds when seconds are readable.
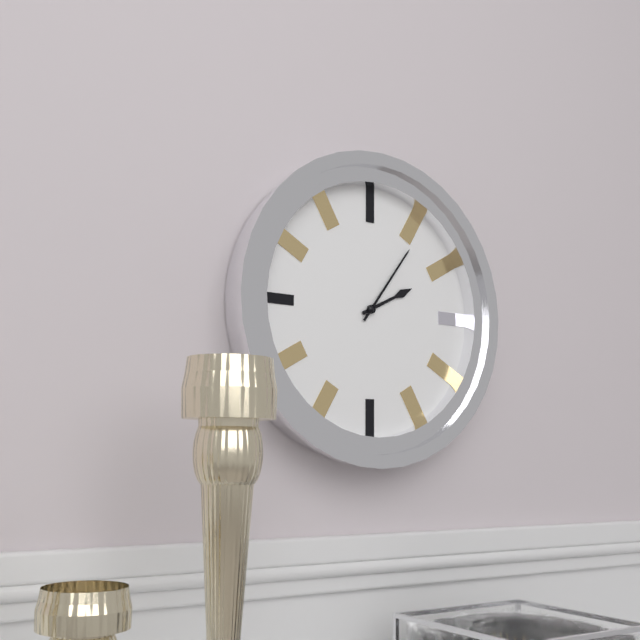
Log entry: 2,06
